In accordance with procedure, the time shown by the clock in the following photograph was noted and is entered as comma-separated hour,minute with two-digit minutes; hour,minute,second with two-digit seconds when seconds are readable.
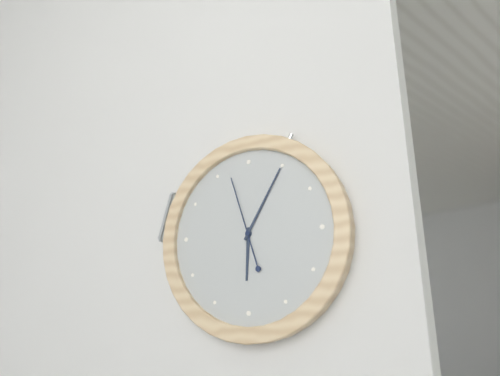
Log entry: 6,05,57
